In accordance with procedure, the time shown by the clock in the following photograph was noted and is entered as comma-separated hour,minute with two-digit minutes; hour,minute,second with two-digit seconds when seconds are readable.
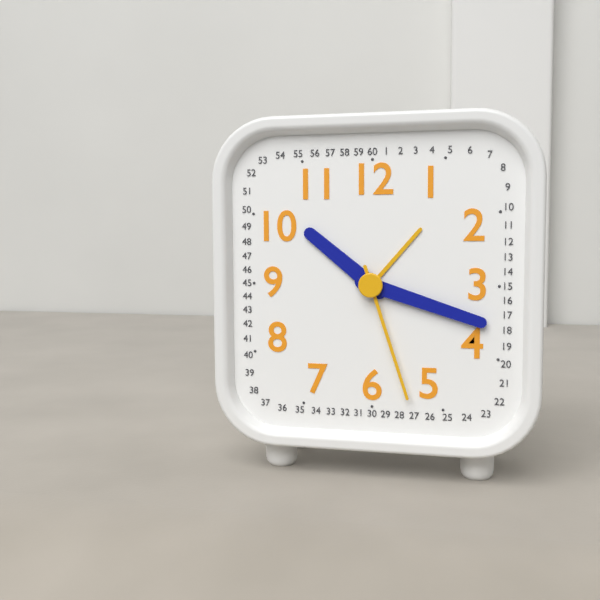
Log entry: 10,18,27
